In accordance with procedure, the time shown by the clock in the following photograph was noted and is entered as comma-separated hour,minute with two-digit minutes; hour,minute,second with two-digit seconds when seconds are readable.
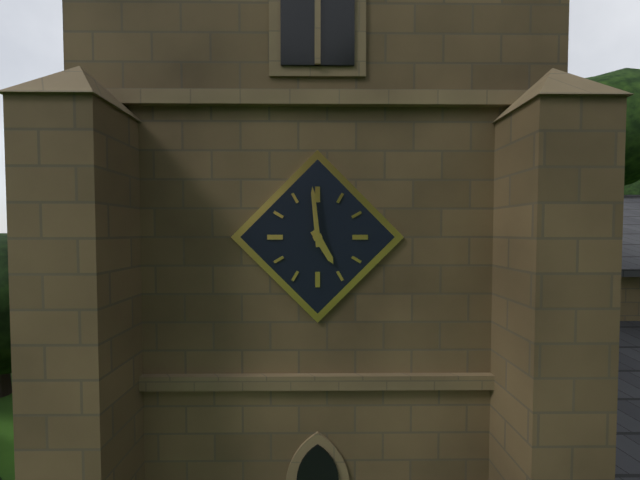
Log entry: 4,59
